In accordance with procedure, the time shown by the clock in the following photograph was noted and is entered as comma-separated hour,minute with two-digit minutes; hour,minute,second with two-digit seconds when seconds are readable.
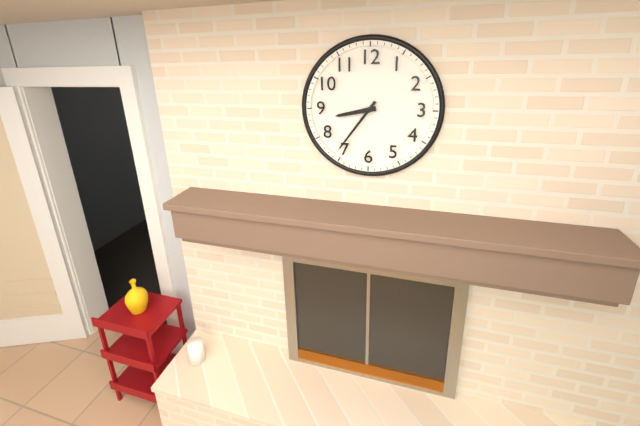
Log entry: 8,36
